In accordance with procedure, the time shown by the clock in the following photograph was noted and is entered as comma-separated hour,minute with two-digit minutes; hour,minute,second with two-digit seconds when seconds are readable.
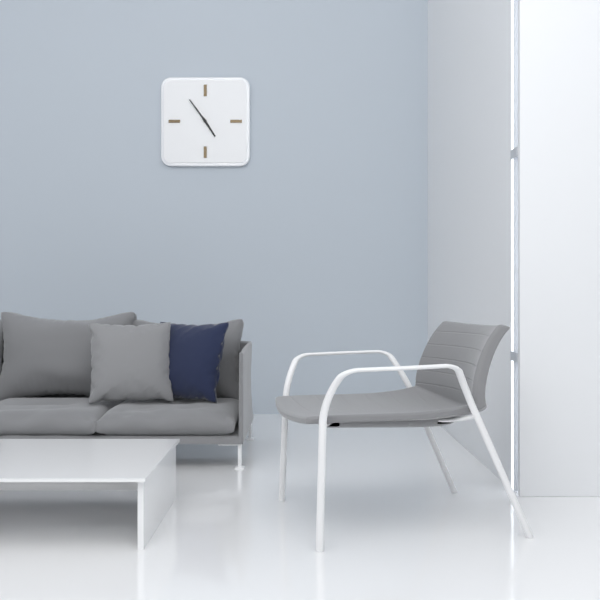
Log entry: 4,54
